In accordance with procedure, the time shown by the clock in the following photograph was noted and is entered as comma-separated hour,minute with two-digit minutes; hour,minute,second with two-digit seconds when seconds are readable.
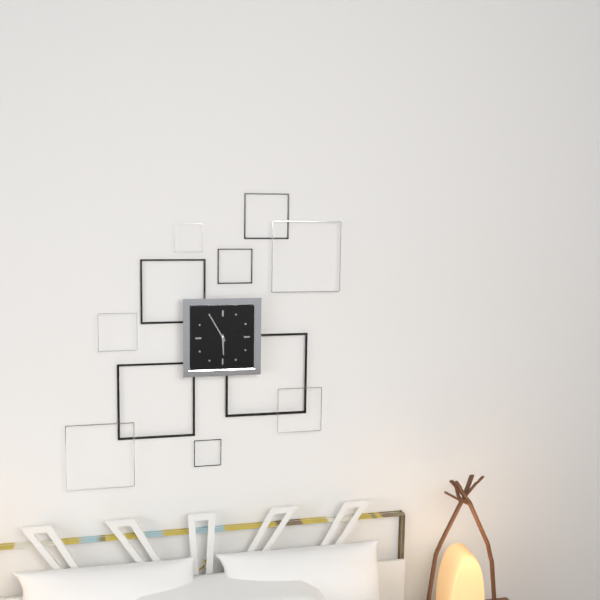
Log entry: 5,55
